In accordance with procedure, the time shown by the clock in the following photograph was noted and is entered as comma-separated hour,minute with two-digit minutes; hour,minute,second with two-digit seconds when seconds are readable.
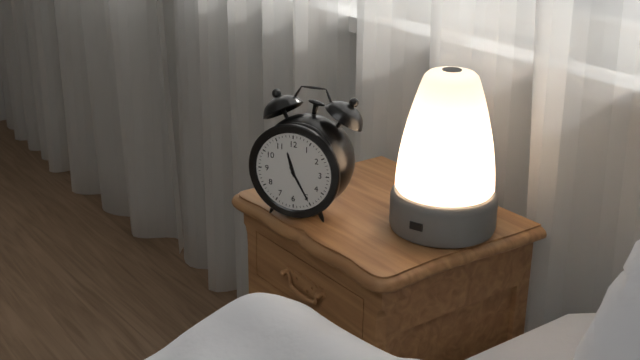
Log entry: 11,25
